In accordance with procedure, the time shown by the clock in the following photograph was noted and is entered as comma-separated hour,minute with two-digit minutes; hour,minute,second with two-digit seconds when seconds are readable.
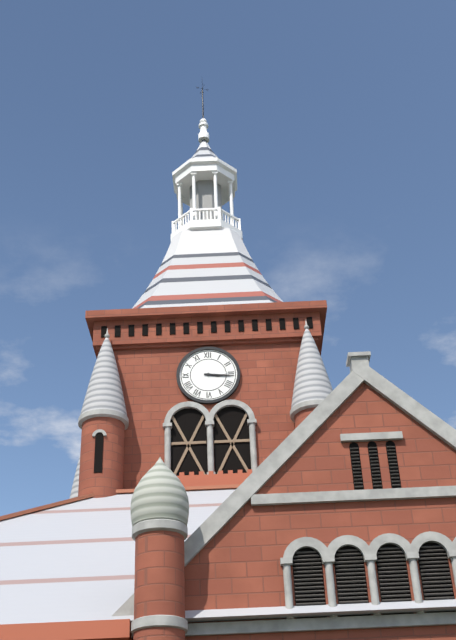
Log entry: 3,16
